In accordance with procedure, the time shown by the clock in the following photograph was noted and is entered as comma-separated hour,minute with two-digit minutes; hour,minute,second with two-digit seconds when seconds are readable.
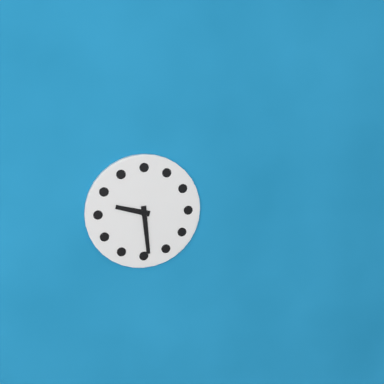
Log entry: 9,29
